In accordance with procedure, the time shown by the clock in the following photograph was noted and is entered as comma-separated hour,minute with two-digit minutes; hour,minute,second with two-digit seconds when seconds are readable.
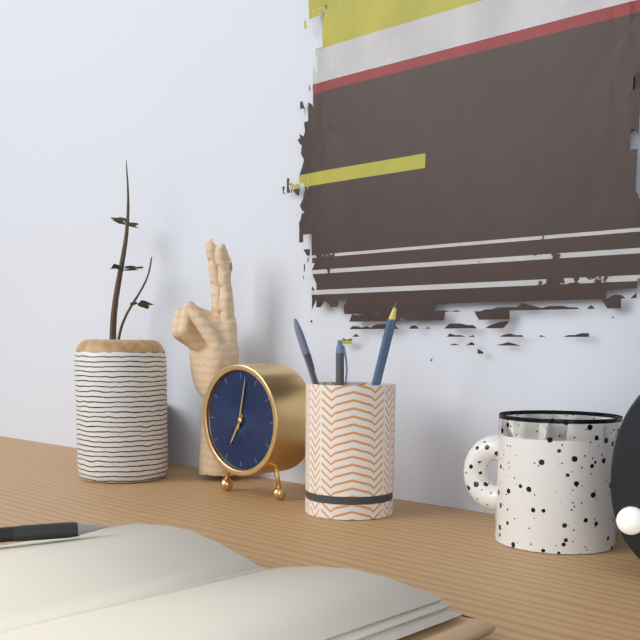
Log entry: 7,02
